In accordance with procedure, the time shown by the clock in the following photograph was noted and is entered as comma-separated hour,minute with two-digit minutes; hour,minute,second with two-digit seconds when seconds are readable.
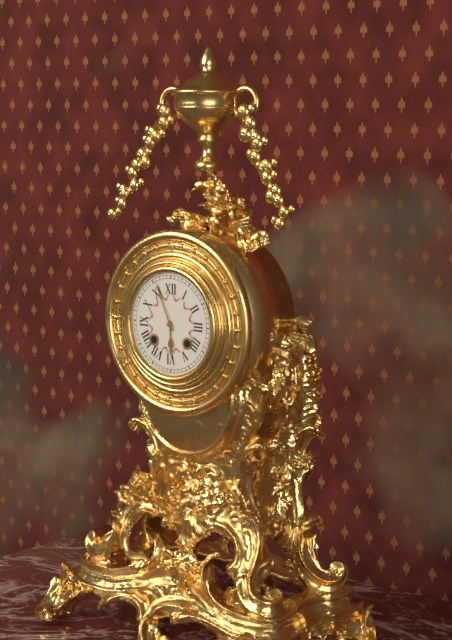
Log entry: 5,56
